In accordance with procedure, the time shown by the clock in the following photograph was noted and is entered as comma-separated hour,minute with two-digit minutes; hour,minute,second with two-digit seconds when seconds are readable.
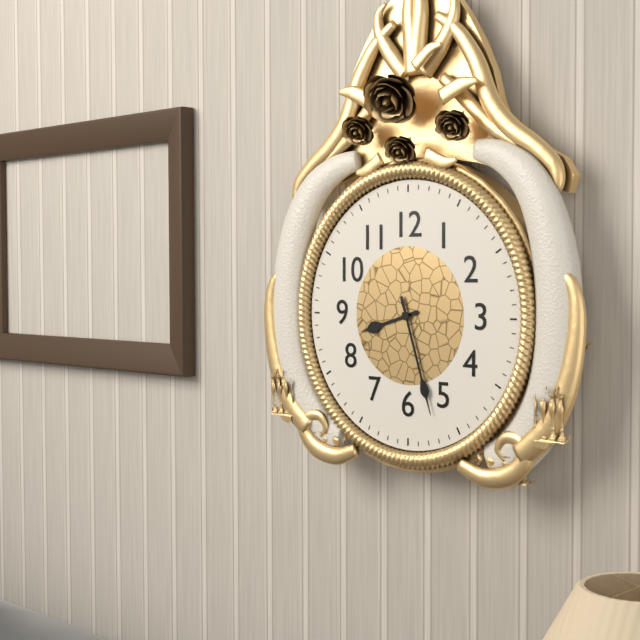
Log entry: 8,27
